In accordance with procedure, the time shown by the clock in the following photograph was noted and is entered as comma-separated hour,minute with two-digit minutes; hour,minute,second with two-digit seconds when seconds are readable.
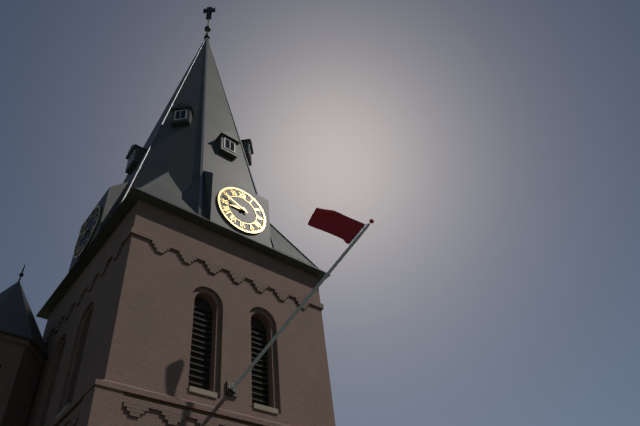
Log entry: 8,49
